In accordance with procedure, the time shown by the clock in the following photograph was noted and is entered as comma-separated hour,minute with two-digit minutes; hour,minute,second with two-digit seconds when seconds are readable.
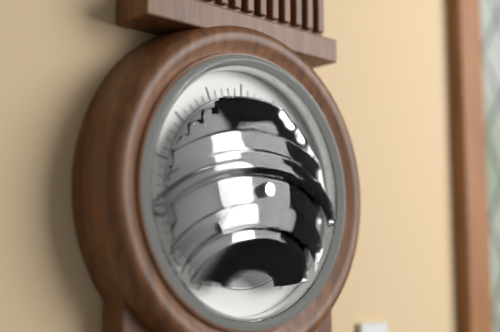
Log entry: 7,18
